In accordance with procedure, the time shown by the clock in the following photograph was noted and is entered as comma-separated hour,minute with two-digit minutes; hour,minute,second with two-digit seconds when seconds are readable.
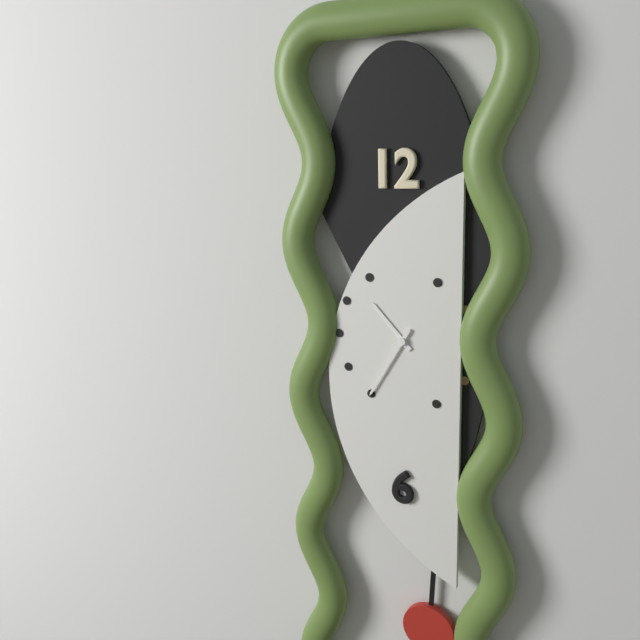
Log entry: 10,35
